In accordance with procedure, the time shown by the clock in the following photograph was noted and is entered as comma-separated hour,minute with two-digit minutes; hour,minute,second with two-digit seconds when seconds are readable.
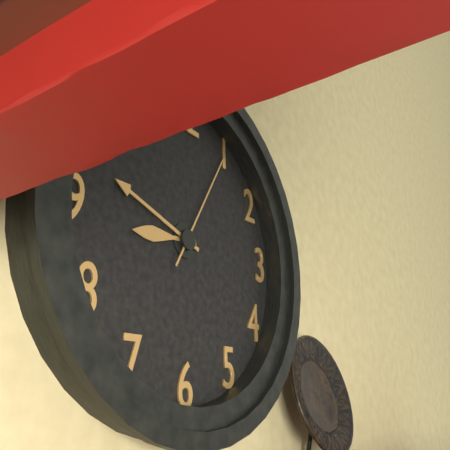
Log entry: 8,48,05
